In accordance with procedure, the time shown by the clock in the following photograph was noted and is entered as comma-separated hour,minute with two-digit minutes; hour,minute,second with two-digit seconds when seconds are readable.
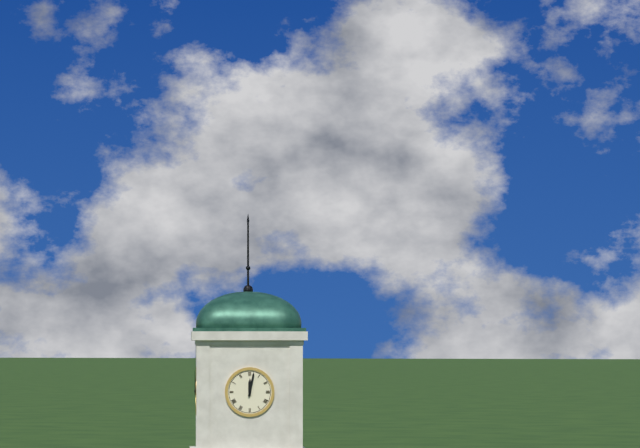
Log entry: 12,02
